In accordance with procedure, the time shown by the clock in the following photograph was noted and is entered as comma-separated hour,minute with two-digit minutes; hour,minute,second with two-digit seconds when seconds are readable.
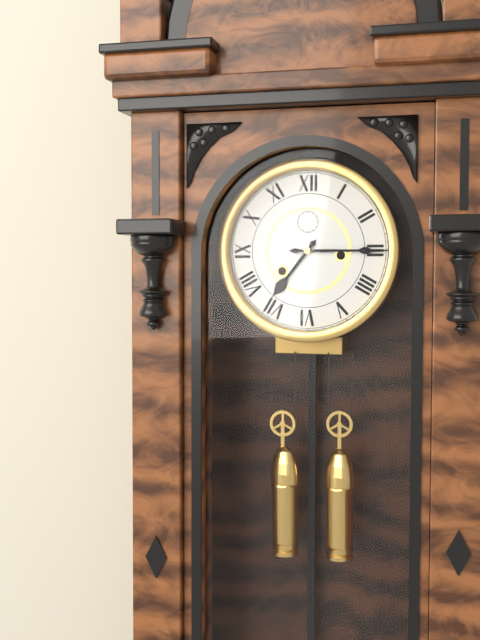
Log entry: 7,15
